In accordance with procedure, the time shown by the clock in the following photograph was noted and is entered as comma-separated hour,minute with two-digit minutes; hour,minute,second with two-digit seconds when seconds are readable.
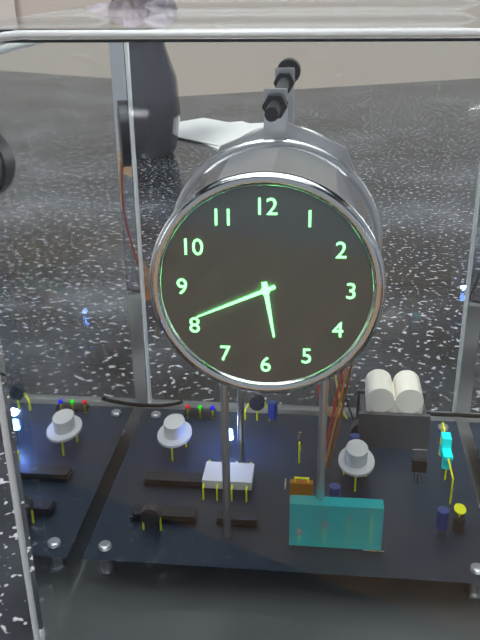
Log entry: 5,41
